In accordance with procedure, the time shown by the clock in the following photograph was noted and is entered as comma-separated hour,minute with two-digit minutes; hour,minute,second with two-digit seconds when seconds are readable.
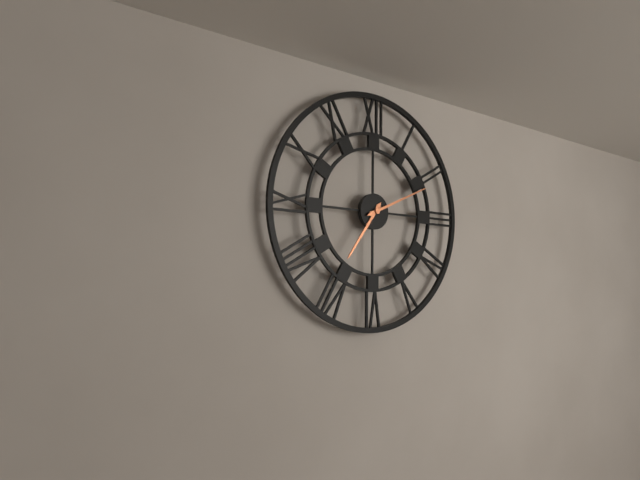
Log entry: 7,11
